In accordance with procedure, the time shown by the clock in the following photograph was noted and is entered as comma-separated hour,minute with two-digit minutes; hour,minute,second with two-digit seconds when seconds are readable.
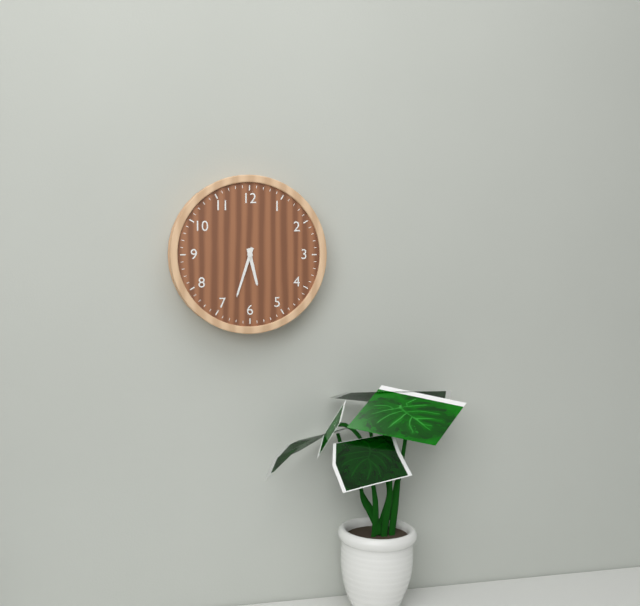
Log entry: 5,33
